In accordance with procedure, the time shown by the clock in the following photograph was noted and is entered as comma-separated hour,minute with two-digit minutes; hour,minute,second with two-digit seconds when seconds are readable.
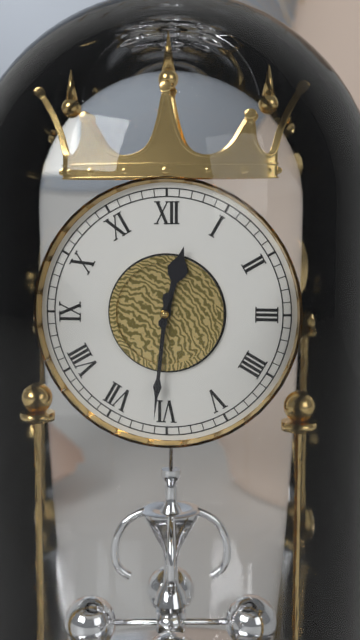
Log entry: 12,31
